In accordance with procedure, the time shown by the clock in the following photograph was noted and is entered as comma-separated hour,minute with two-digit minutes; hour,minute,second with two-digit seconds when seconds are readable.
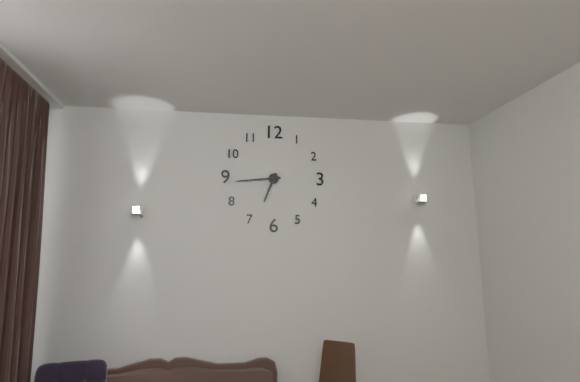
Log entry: 6,44
